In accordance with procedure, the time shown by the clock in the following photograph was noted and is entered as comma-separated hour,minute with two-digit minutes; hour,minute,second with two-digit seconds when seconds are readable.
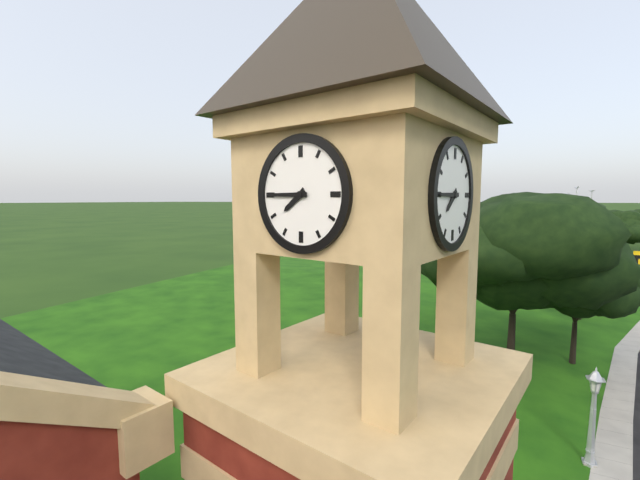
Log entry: 7,45
